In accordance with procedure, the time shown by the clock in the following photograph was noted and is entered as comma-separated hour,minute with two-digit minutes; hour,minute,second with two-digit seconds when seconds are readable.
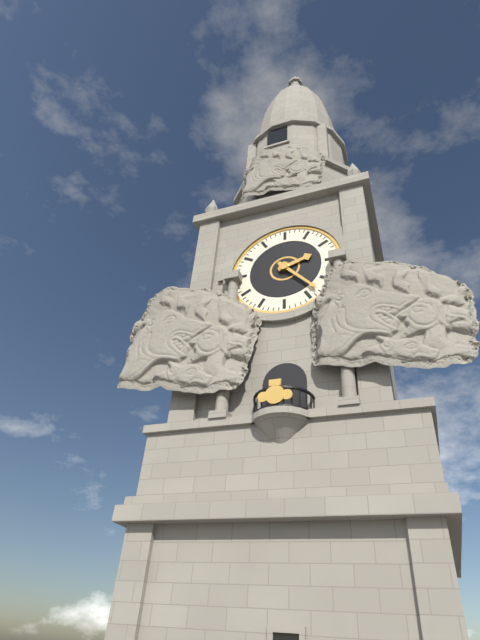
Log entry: 2,23
